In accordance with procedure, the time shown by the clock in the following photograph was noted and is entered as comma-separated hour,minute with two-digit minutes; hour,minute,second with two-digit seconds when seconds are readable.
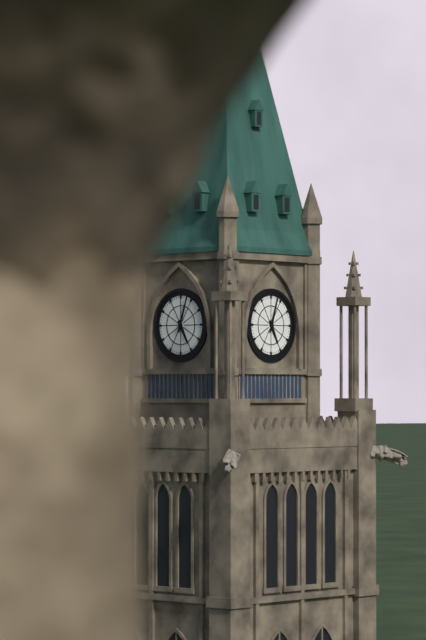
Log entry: 5,03
